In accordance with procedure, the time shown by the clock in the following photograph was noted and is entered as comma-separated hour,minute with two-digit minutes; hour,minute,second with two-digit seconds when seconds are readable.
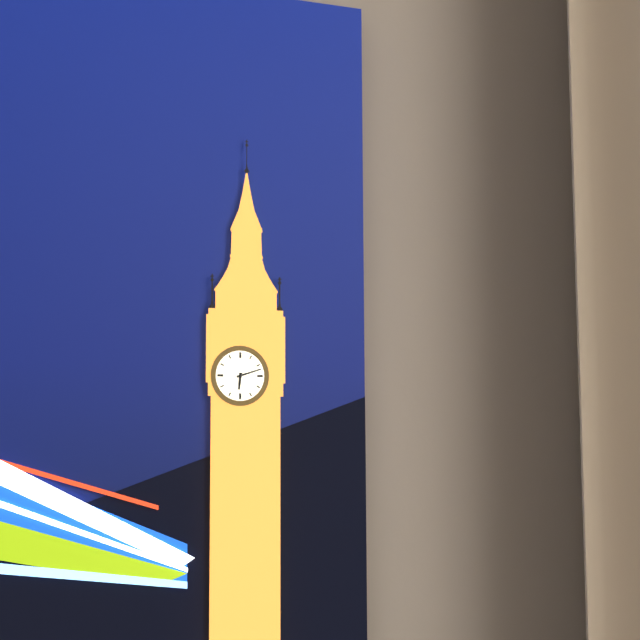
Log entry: 6,12
